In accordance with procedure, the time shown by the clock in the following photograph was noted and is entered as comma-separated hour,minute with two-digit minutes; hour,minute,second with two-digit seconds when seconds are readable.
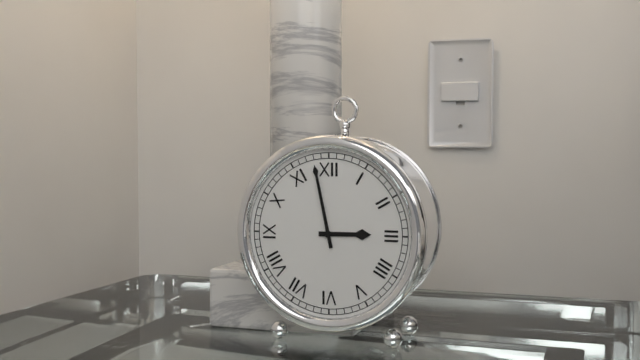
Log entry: 2,58
